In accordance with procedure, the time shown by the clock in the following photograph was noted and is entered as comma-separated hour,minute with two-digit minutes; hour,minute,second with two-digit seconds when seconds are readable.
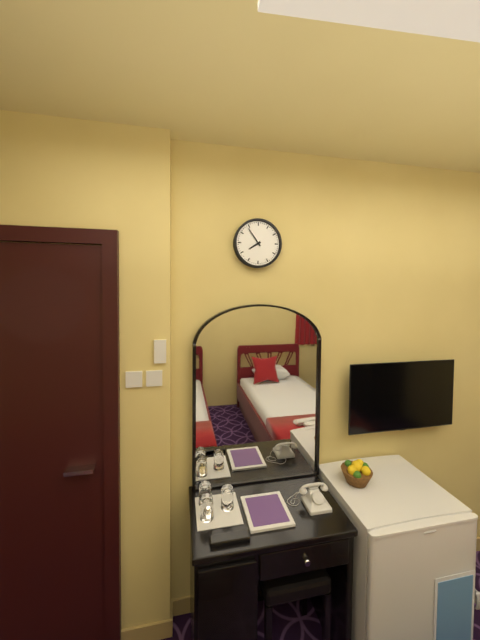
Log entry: 7,54
